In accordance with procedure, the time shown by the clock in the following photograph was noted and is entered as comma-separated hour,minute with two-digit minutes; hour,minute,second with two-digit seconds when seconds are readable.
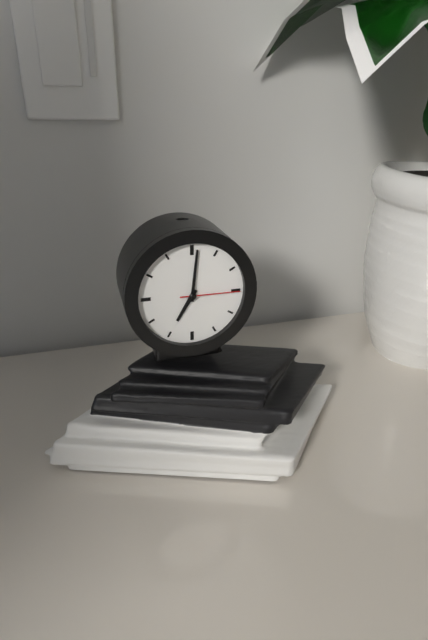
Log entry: 7,01,15
